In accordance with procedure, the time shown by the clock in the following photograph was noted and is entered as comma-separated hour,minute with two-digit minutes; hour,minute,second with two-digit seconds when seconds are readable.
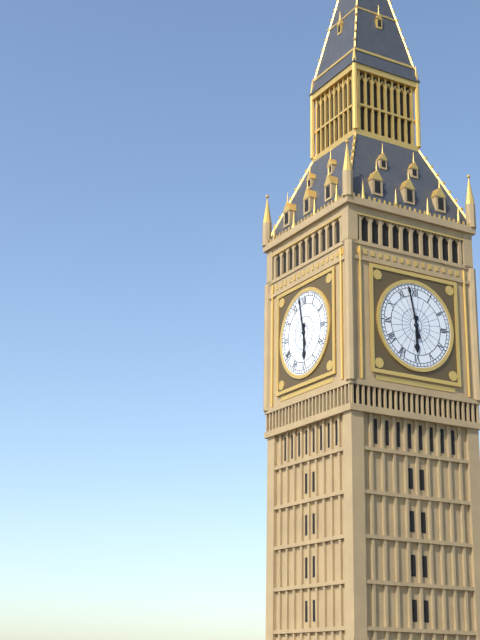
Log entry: 5,58
